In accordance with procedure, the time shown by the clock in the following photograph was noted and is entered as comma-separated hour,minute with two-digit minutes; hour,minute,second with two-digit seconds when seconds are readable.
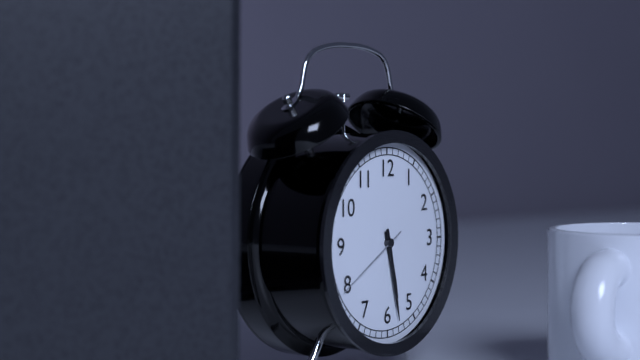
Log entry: 5,28,40
